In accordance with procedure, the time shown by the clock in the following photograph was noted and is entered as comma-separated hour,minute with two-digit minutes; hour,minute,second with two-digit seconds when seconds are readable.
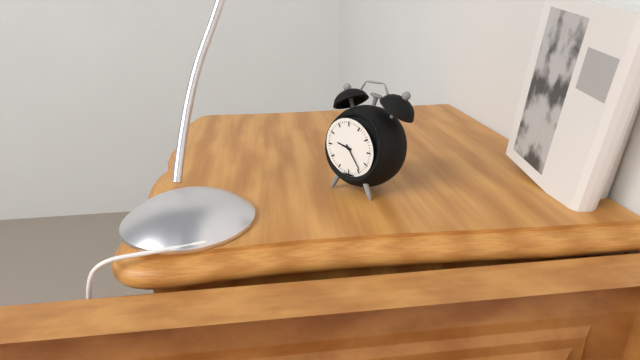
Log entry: 9,24
